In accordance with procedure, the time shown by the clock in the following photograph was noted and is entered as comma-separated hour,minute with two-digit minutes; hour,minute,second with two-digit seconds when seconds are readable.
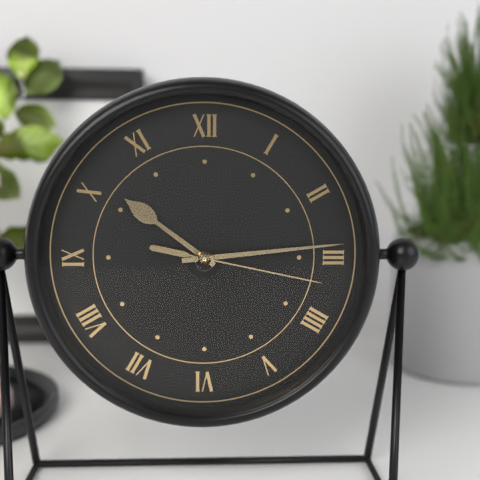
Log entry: 10,14,17
